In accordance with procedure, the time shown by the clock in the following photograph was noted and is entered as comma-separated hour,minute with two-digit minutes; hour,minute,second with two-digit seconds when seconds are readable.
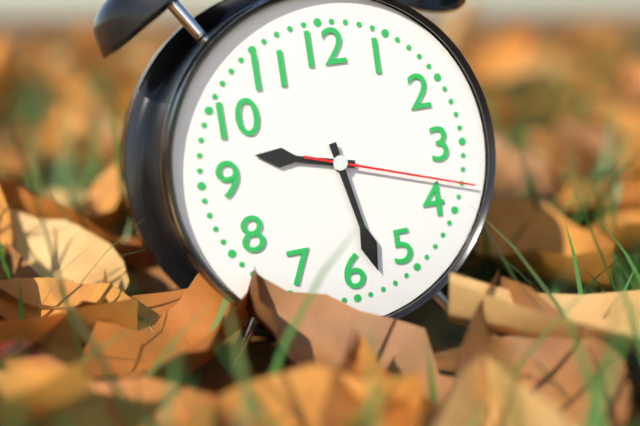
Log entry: 9,28,18
